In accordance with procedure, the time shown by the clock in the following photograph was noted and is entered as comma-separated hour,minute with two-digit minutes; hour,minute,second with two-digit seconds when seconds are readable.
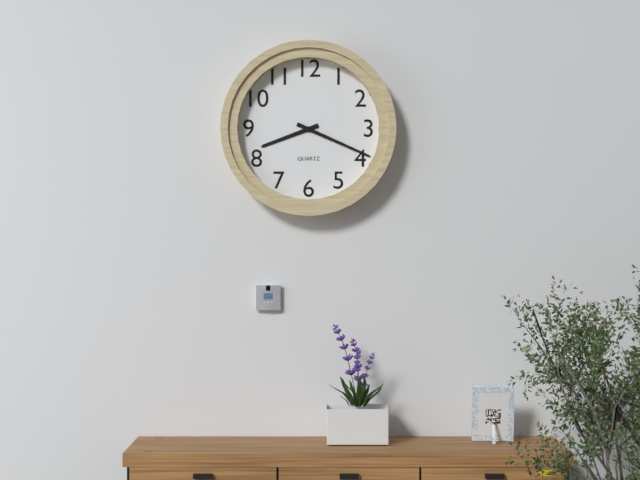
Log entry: 8,19
